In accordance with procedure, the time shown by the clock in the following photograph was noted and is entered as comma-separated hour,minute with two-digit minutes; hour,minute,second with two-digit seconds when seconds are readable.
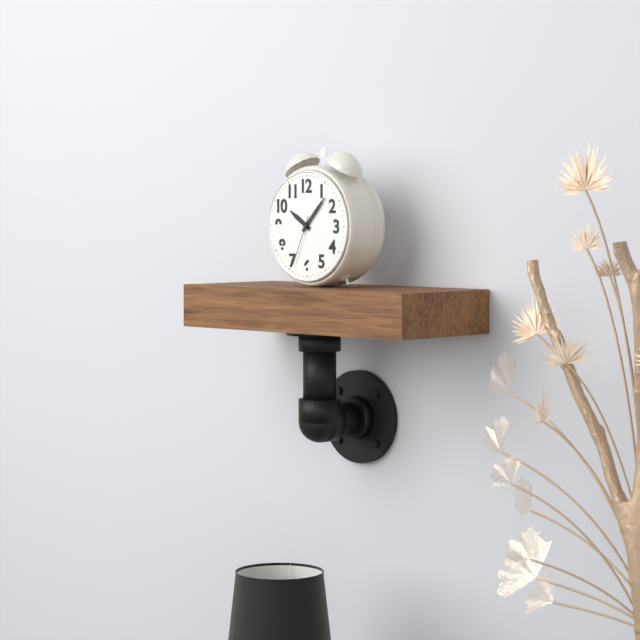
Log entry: 10,07,34
